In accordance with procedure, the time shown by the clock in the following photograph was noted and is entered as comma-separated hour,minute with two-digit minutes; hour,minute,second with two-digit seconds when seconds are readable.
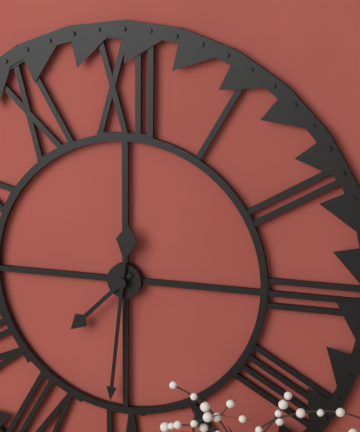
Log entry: 7,31
